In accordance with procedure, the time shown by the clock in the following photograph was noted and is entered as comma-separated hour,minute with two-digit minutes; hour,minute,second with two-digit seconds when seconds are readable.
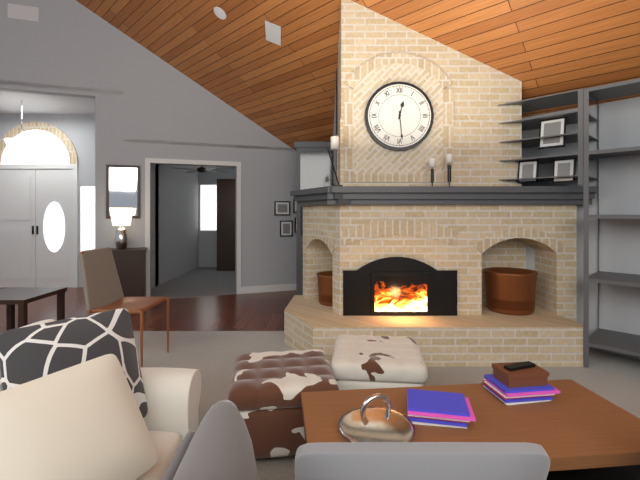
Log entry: 12,29
